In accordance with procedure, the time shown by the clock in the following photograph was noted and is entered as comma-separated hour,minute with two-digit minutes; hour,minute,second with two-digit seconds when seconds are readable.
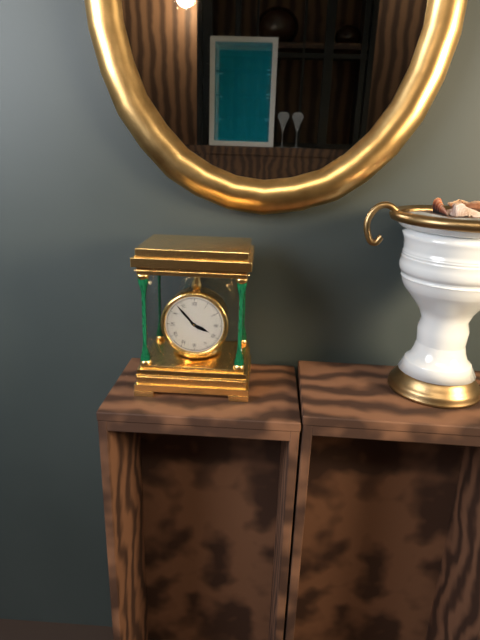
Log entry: 3,53
